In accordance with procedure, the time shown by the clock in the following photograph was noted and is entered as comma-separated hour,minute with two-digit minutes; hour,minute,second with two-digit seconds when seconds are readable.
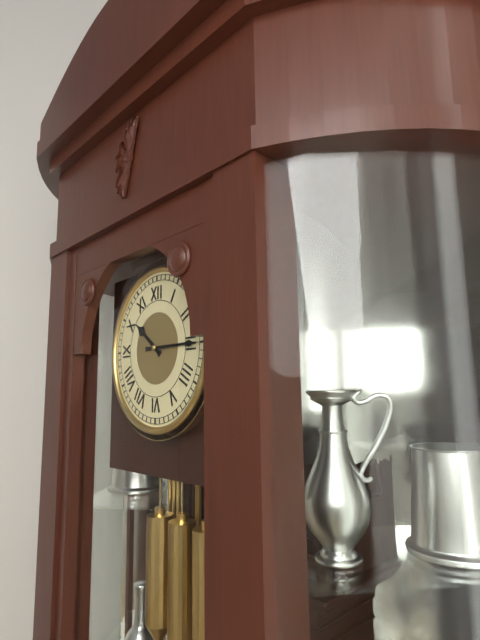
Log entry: 10,15
